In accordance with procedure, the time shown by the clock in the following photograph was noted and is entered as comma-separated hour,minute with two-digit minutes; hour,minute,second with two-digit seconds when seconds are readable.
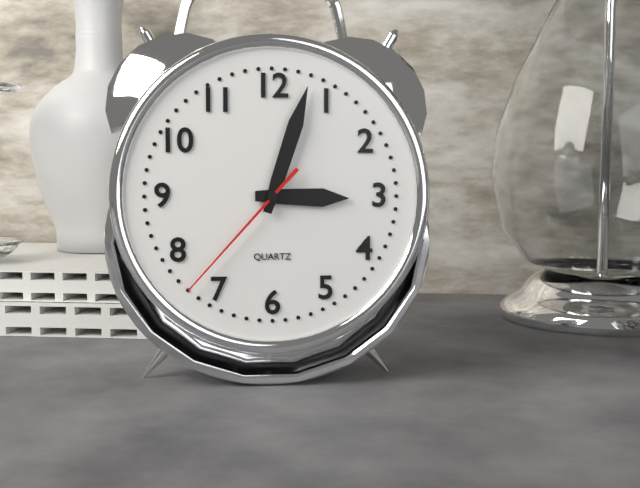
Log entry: 3,03,37
